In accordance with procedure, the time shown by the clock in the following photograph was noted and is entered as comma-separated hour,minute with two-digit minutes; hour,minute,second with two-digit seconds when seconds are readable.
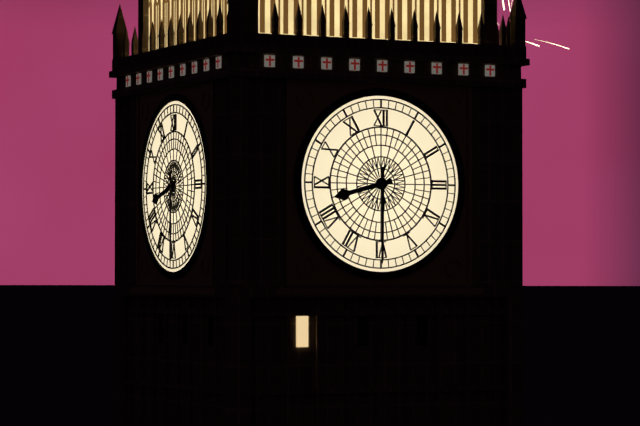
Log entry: 8,30
